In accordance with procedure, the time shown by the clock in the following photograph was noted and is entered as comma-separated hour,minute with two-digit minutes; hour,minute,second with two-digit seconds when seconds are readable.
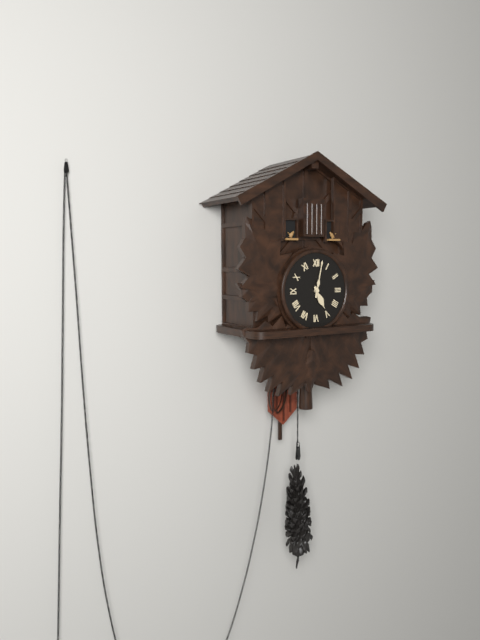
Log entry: 5,02
